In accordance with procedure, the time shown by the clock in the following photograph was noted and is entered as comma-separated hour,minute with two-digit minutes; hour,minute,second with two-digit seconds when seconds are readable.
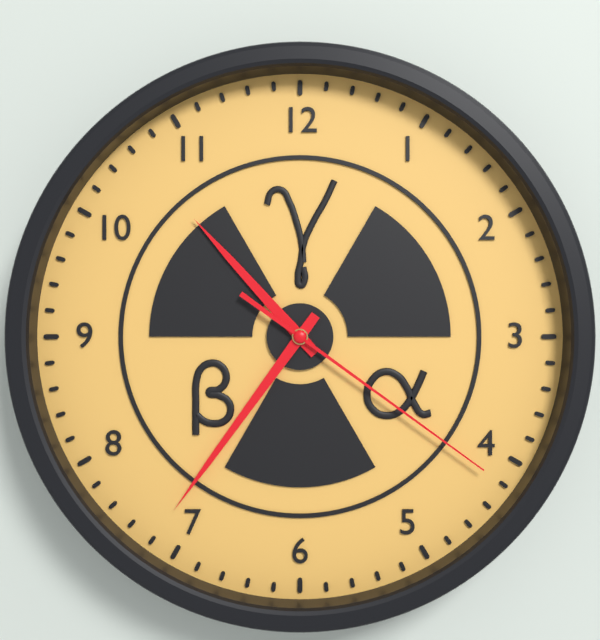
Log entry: 10,36,21
